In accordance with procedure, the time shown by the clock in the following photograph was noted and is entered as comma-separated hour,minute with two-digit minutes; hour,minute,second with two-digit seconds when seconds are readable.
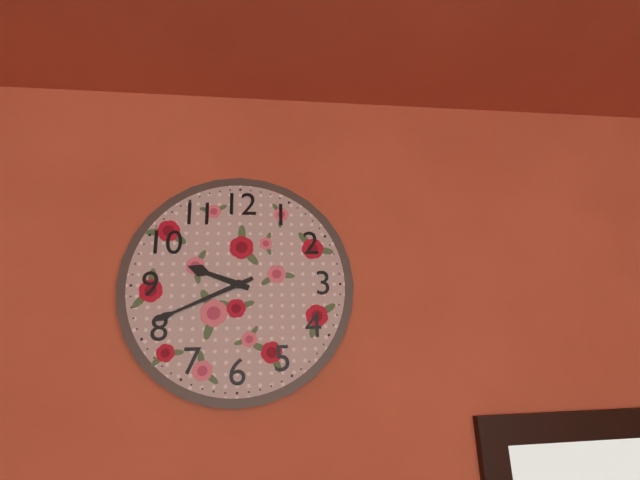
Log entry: 9,41
